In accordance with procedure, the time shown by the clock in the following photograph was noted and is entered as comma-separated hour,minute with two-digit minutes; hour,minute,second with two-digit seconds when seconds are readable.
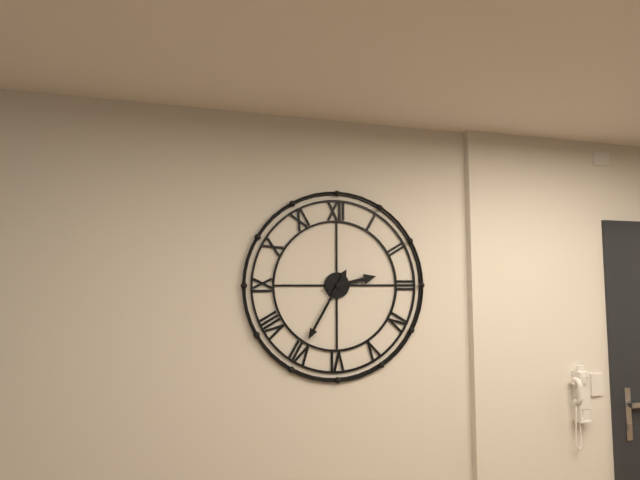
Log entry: 2,35
